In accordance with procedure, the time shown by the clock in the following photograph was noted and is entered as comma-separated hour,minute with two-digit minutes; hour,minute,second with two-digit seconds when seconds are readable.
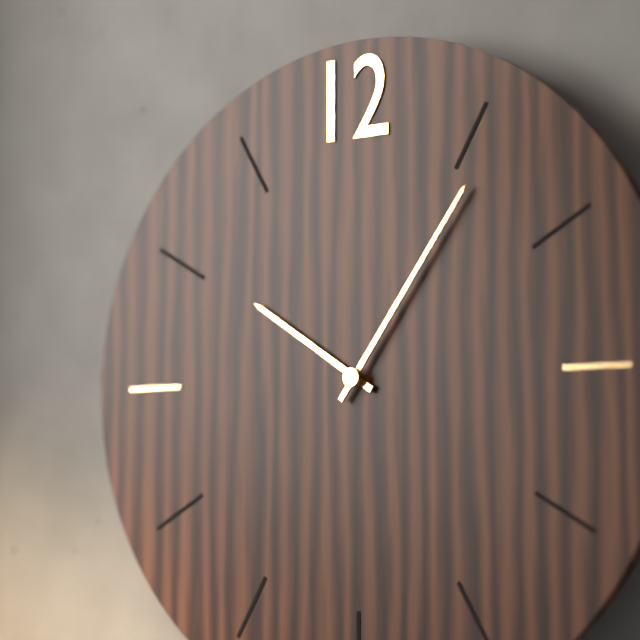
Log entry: 10,06
